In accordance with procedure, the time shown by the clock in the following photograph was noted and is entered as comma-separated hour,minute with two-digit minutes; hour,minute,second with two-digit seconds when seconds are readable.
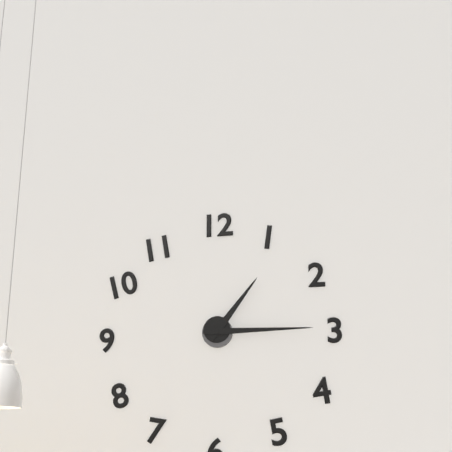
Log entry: 1,15
